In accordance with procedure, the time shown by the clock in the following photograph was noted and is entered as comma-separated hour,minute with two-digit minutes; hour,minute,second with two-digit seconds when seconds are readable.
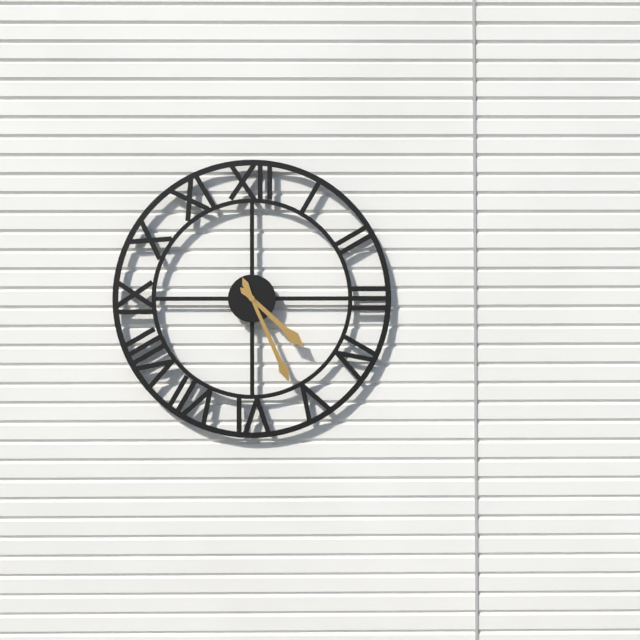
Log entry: 4,26
